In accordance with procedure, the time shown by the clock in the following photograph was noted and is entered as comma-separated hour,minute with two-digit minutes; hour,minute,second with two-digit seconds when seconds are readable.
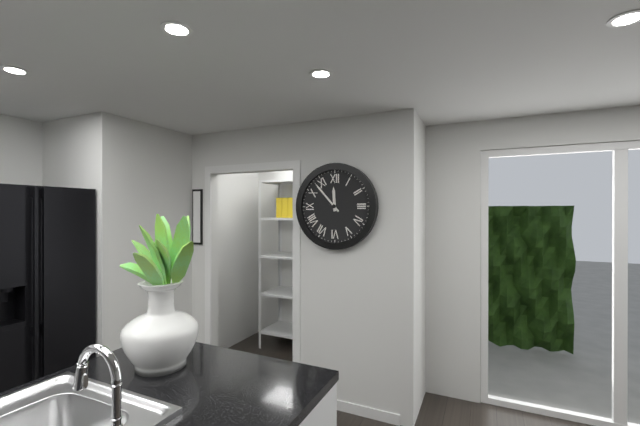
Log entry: 11,53
